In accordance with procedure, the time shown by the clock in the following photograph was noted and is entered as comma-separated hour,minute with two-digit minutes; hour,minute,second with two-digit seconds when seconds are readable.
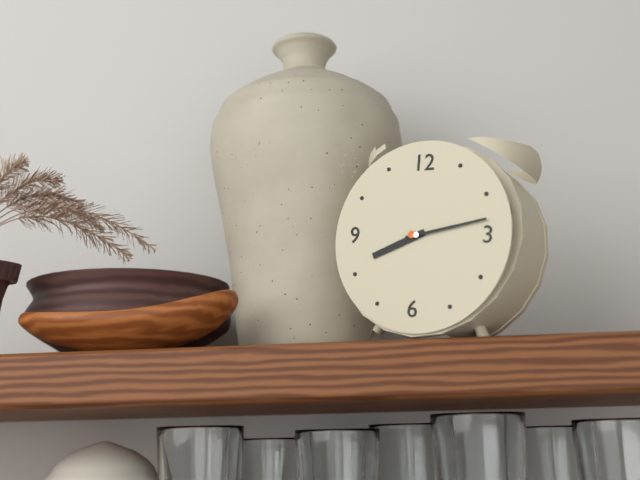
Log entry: 8,13
